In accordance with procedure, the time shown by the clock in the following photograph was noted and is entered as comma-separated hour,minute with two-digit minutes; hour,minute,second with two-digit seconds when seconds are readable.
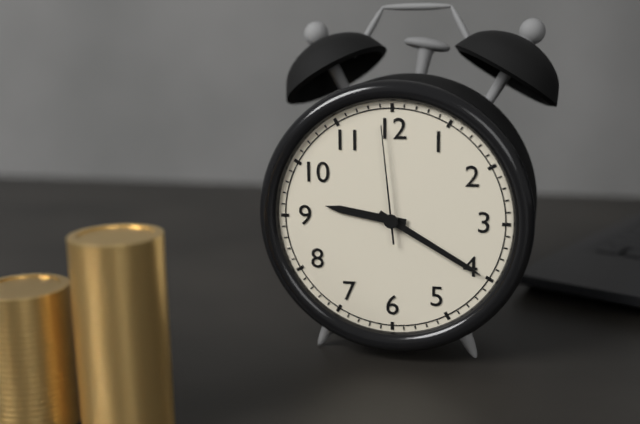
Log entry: 9,20,59
